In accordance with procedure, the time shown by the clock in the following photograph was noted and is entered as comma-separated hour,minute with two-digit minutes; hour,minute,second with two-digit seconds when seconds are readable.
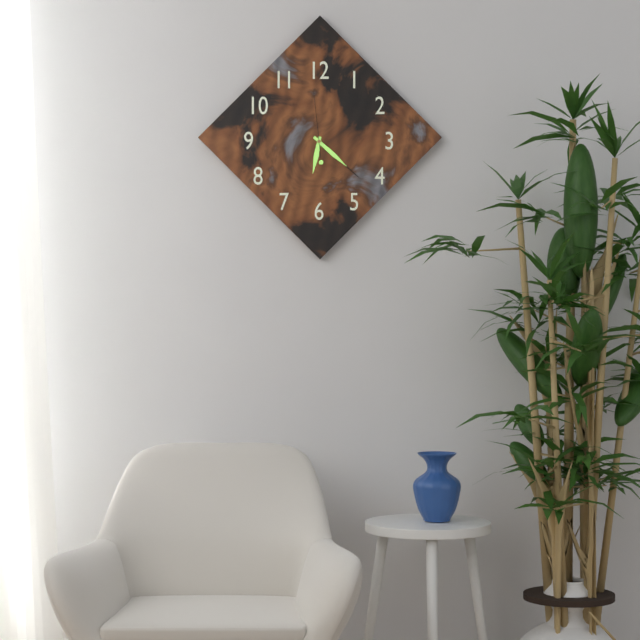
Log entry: 6,22,59
